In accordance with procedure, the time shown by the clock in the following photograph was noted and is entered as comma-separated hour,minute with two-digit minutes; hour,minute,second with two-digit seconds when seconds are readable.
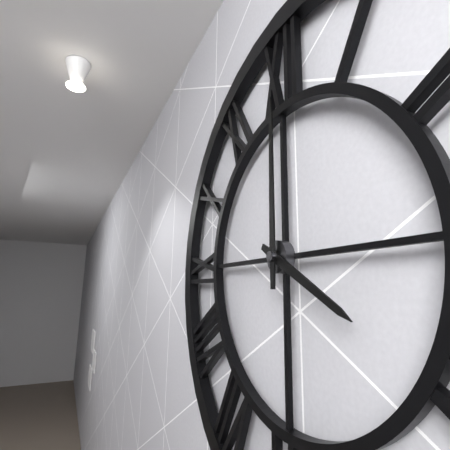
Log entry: 4,00
